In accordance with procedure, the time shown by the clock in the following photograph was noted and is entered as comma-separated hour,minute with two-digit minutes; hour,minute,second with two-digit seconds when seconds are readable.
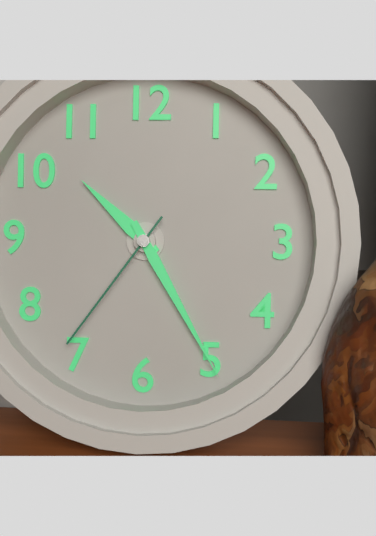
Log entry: 10,25,36
